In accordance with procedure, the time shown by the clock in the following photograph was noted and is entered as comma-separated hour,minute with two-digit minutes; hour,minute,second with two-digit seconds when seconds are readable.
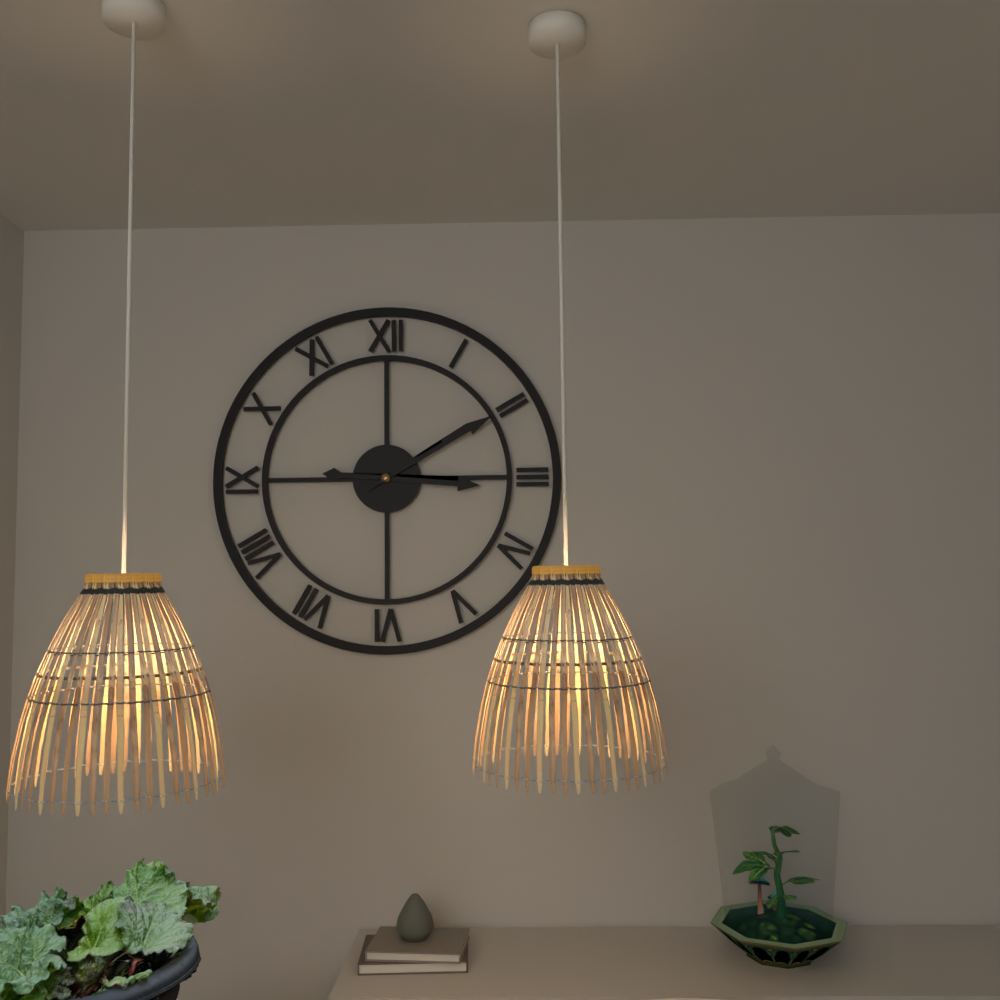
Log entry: 3,10
